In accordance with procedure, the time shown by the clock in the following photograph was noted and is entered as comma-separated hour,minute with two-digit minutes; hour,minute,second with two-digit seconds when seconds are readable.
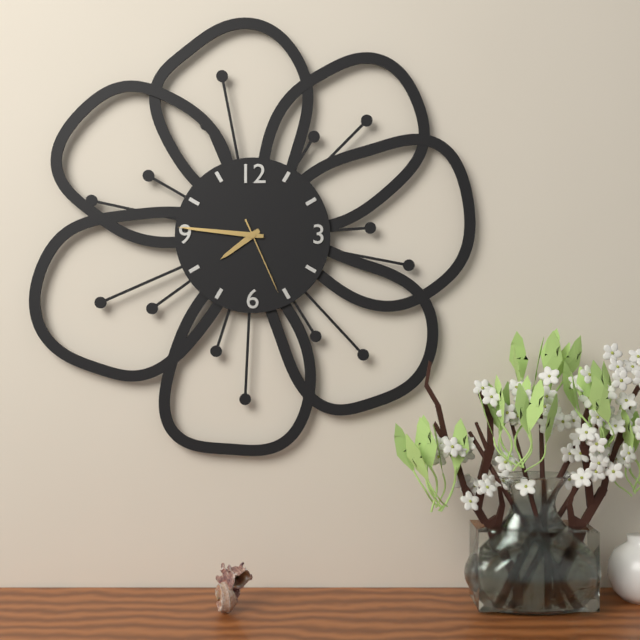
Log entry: 7,46,26
